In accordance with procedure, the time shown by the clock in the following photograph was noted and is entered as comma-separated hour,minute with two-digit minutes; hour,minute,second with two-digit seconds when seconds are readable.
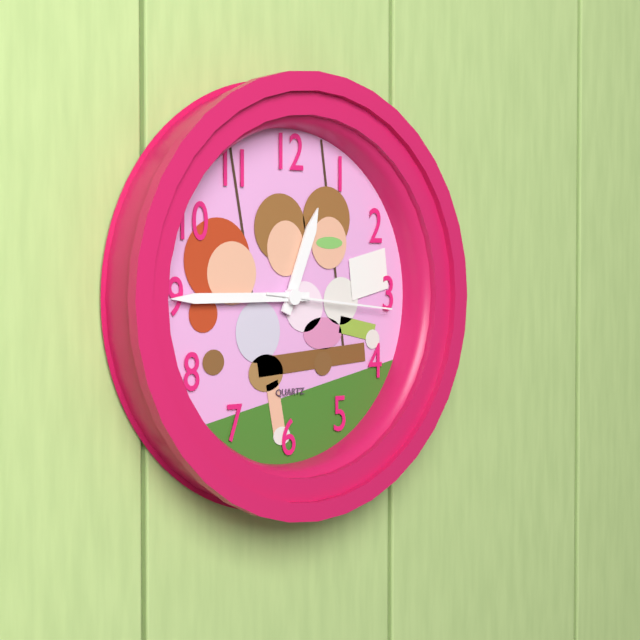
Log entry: 12,45,16
